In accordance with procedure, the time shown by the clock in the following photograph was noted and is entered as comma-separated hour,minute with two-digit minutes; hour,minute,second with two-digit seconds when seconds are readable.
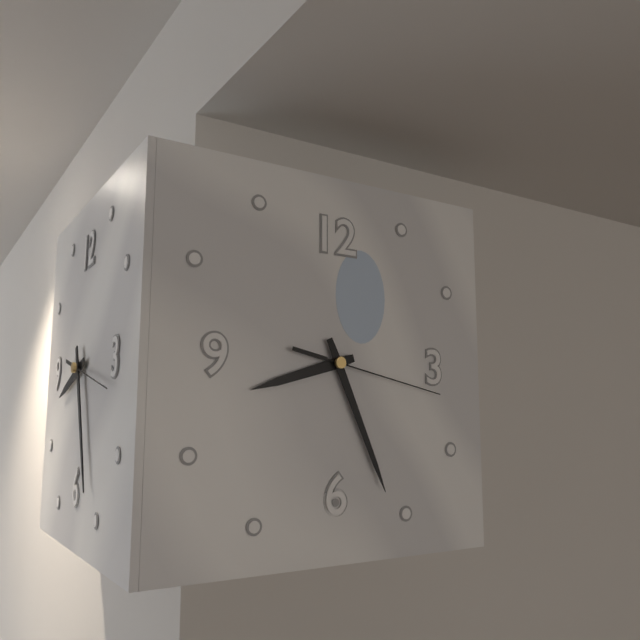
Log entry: 8,26,17
